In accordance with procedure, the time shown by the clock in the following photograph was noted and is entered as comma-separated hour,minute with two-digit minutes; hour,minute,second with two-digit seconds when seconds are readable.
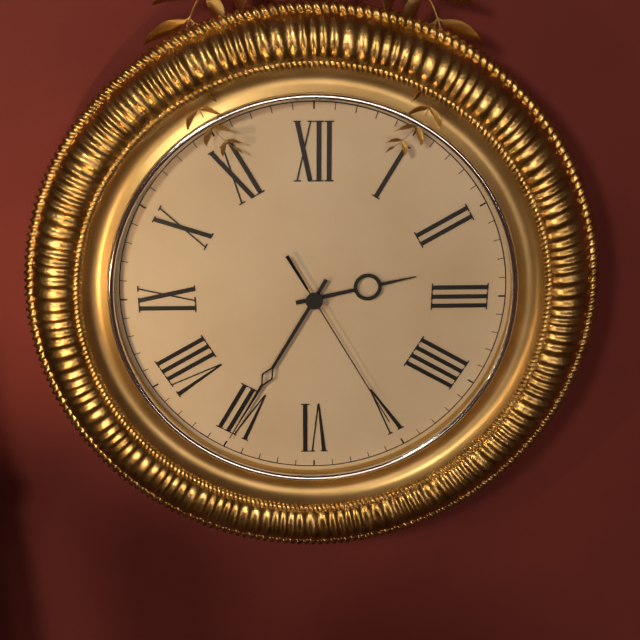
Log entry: 2,35,25
